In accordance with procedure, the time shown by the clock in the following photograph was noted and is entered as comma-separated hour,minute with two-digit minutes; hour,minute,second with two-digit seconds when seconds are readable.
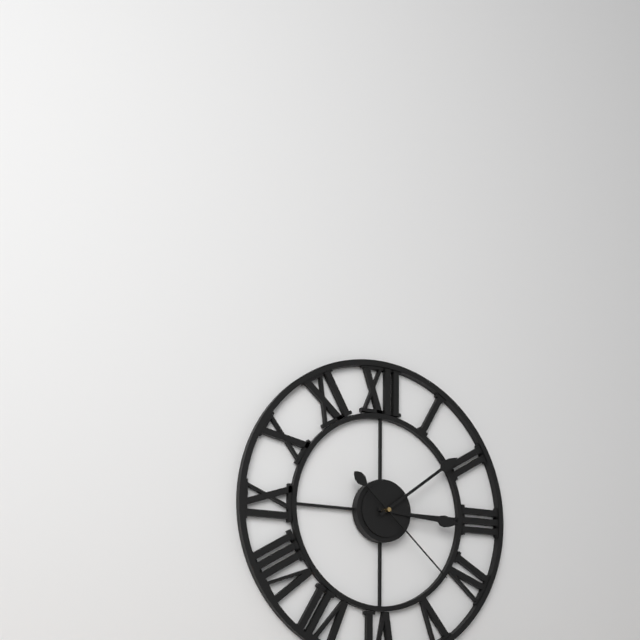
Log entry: 3,09,22
